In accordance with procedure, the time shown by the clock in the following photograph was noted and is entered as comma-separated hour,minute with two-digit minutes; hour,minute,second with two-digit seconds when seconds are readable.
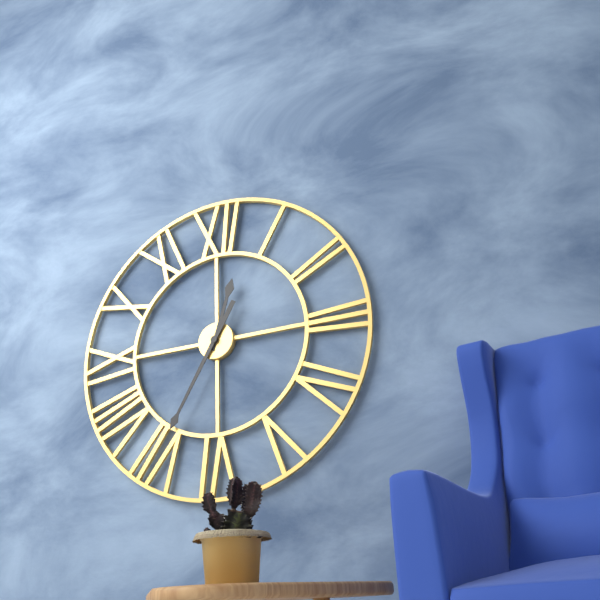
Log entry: 12,35
